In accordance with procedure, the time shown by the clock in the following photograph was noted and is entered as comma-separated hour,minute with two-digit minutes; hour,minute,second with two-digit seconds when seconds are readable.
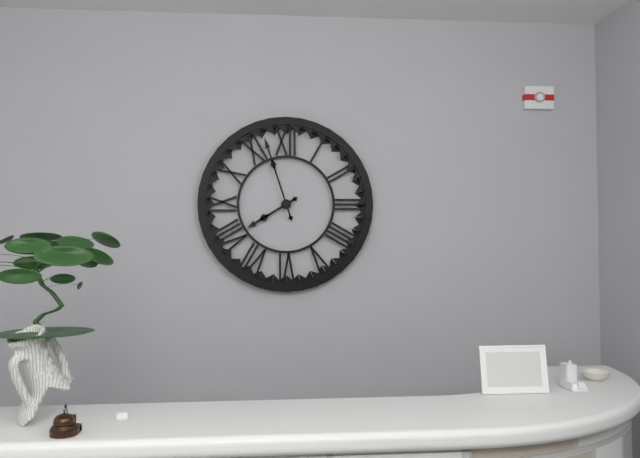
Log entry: 7,57
